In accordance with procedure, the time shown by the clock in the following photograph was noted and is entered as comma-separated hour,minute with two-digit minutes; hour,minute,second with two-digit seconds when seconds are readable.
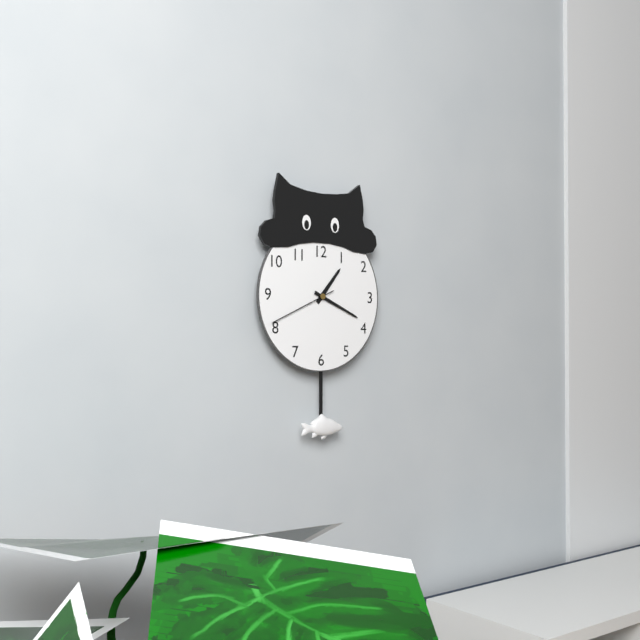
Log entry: 1,19,41
